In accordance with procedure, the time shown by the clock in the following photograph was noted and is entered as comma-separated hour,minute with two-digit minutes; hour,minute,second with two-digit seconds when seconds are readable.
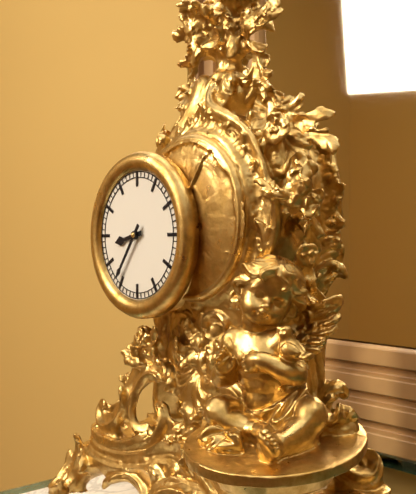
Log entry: 8,36
